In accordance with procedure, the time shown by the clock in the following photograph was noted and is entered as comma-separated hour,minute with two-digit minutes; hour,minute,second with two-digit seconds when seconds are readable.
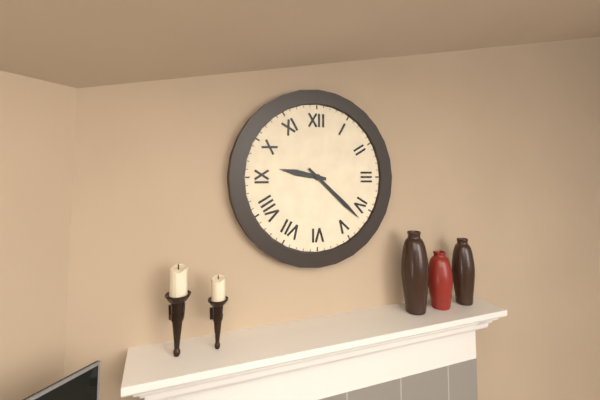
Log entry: 9,22
